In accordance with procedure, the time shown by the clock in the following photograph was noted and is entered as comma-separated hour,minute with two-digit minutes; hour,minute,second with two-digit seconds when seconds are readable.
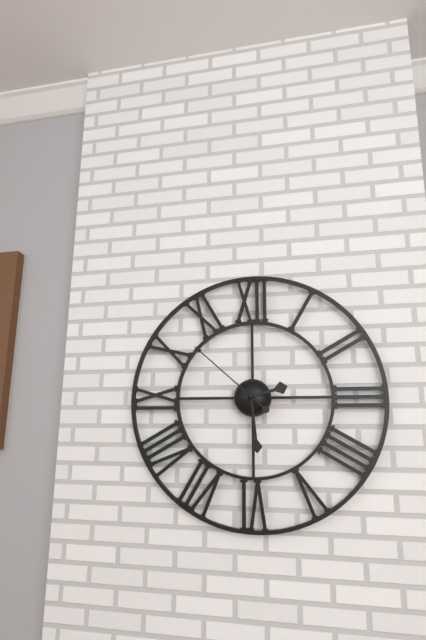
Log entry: 2,29,52
